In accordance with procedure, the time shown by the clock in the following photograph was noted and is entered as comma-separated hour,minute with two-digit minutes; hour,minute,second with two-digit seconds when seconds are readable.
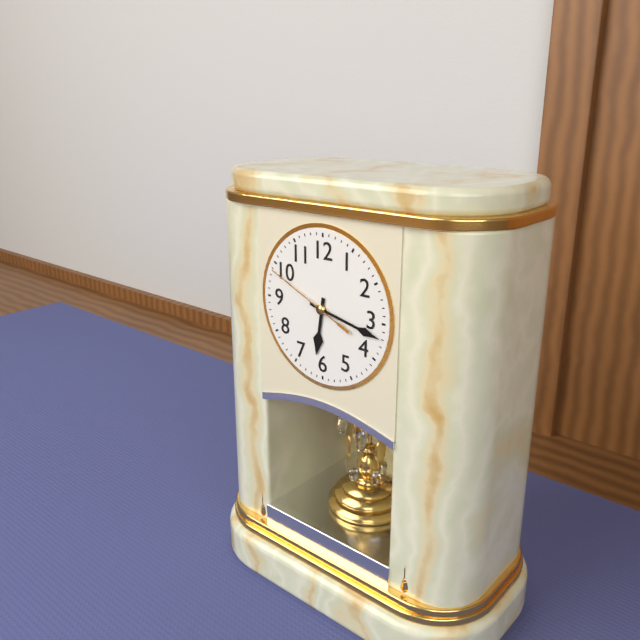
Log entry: 6,17,49
